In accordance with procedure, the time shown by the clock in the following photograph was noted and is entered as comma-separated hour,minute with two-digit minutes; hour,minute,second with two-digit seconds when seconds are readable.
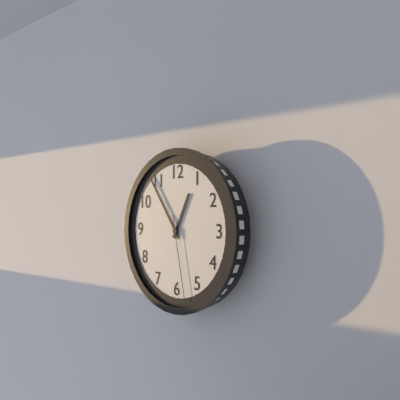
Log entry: 12,54,28
